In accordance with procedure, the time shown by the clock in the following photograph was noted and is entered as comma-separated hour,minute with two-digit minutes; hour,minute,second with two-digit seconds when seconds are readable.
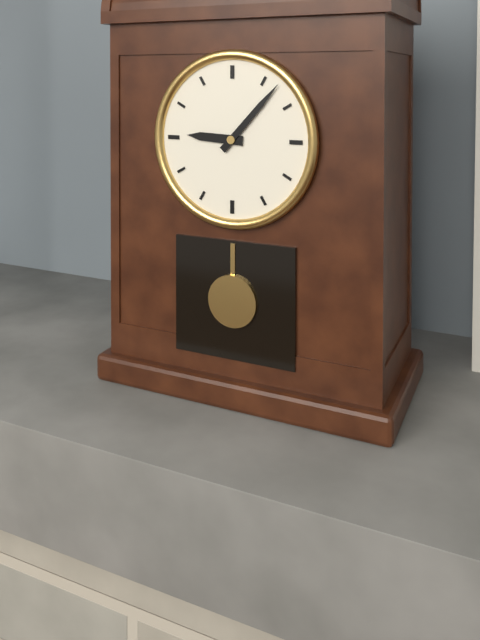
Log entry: 9,07
